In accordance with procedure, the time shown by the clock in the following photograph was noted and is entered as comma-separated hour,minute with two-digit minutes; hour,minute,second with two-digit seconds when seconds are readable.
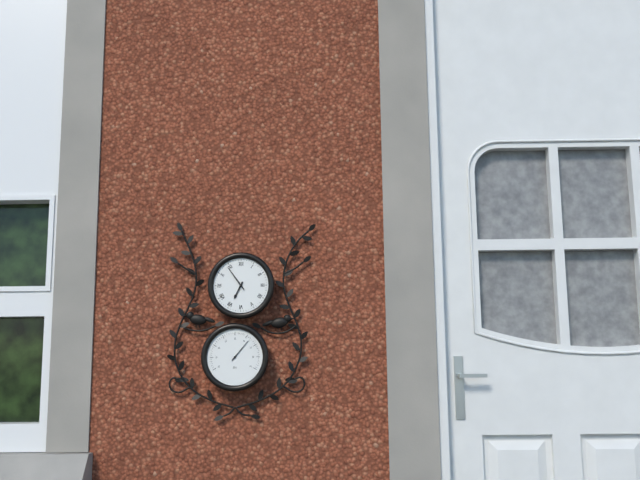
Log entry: 6,54
